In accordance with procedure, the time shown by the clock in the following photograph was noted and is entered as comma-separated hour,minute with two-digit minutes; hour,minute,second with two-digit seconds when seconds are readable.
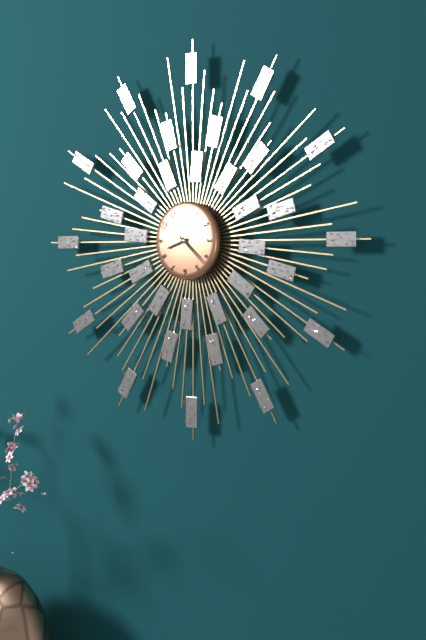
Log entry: 8,22
